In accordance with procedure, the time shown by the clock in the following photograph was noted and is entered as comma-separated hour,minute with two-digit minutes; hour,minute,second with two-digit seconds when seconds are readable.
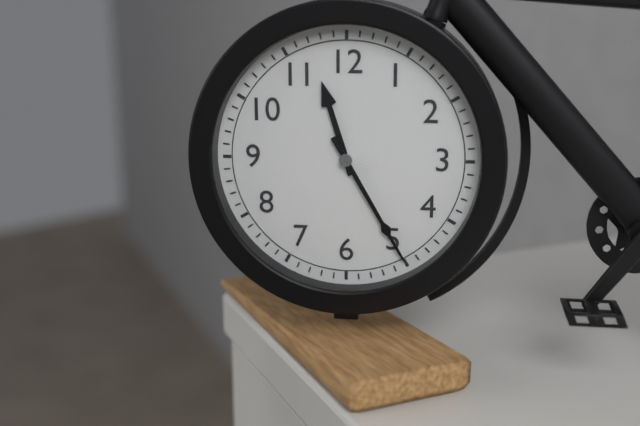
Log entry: 11,25
